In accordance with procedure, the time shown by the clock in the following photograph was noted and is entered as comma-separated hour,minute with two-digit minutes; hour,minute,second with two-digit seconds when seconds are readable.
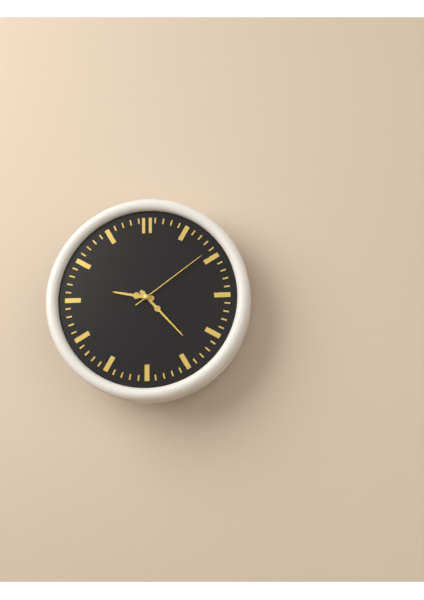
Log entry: 9,23,09
